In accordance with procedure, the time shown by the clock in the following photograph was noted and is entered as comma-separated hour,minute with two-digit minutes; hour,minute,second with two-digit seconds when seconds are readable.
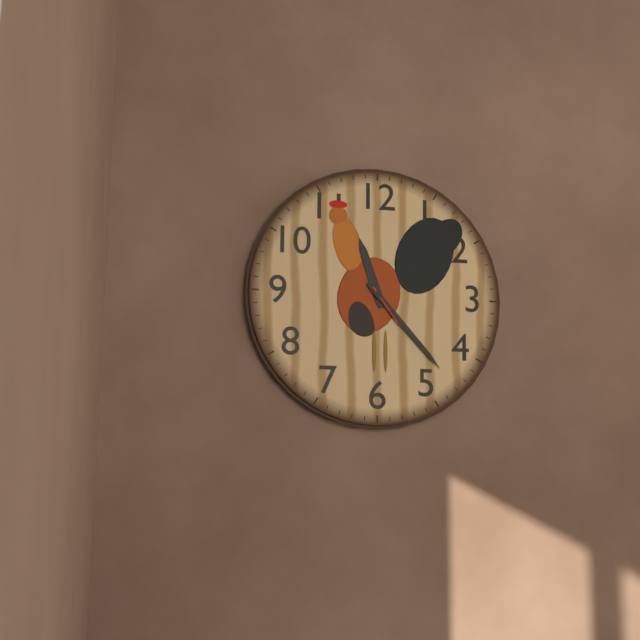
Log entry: 11,23
